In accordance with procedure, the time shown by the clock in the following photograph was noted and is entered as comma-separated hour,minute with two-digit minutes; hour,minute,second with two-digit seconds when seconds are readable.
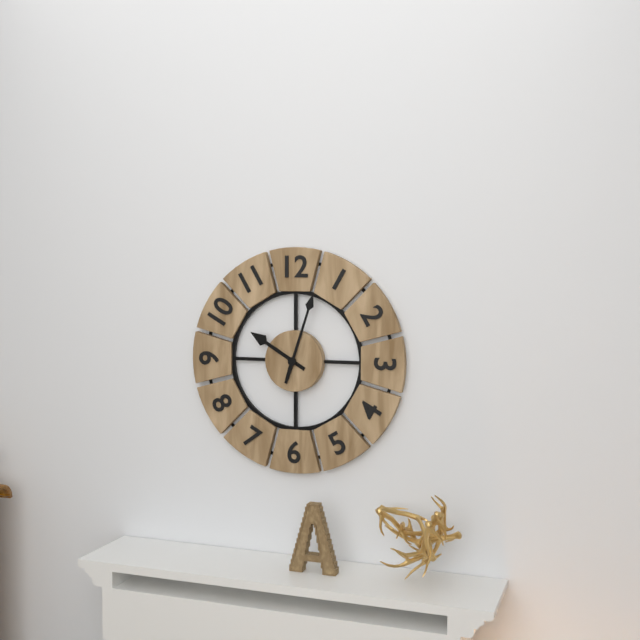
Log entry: 10,03
